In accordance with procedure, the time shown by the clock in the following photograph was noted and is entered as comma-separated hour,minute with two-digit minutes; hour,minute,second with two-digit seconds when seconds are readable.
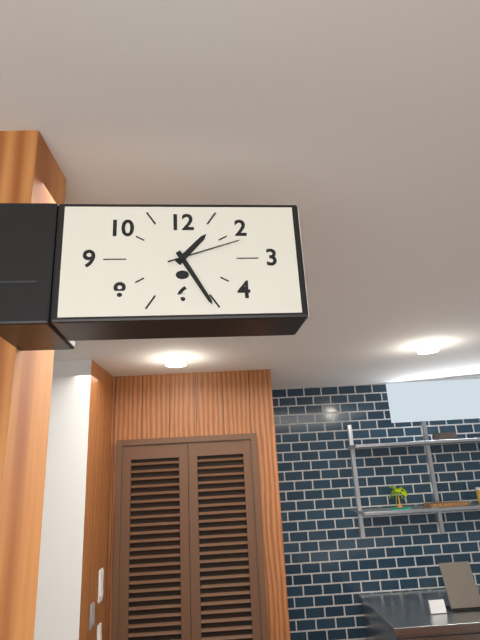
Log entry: 1,25,12
